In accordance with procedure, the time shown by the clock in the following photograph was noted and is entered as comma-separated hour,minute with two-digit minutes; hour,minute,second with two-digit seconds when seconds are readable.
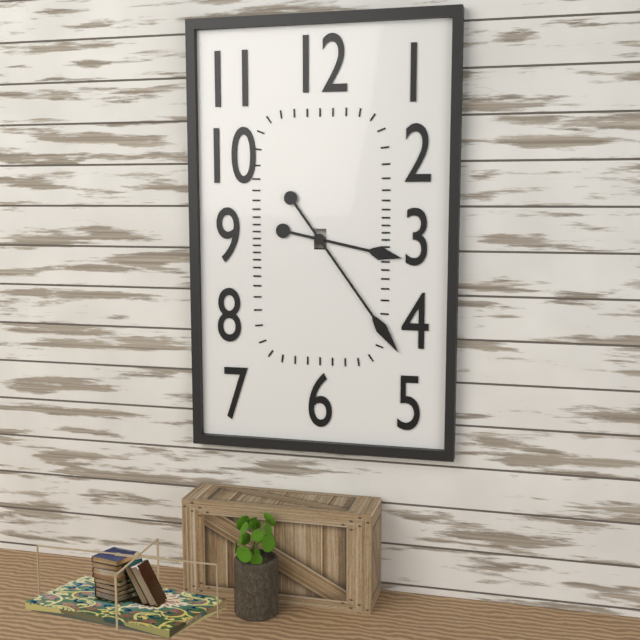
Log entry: 3,24
